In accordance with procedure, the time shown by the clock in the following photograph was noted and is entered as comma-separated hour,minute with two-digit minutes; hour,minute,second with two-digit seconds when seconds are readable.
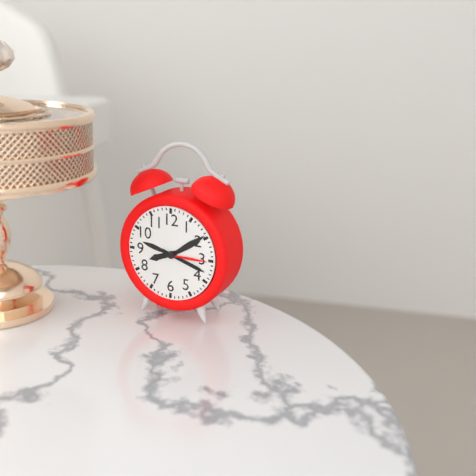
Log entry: 8,18
